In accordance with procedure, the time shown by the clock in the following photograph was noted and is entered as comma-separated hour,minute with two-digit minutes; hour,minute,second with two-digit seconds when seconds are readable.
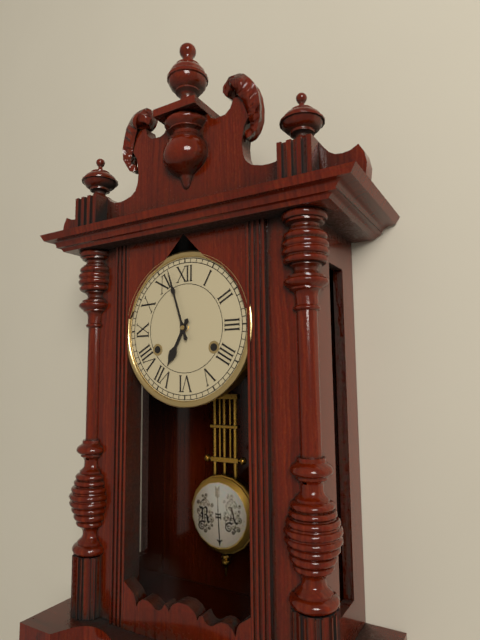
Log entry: 6,57
